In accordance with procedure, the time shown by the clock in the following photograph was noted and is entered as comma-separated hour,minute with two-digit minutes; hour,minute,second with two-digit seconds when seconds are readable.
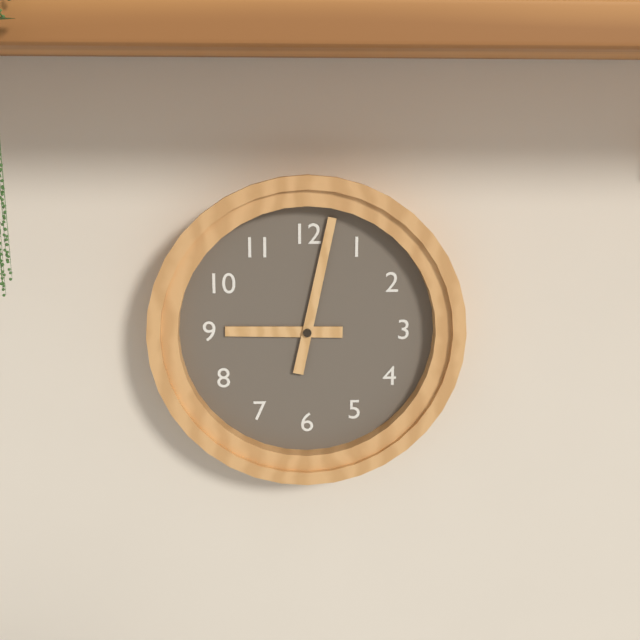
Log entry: 9,02
